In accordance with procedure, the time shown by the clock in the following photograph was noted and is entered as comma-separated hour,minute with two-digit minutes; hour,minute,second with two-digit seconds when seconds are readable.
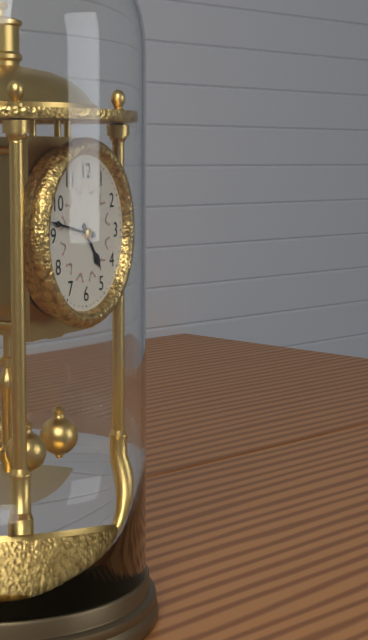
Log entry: 4,47
